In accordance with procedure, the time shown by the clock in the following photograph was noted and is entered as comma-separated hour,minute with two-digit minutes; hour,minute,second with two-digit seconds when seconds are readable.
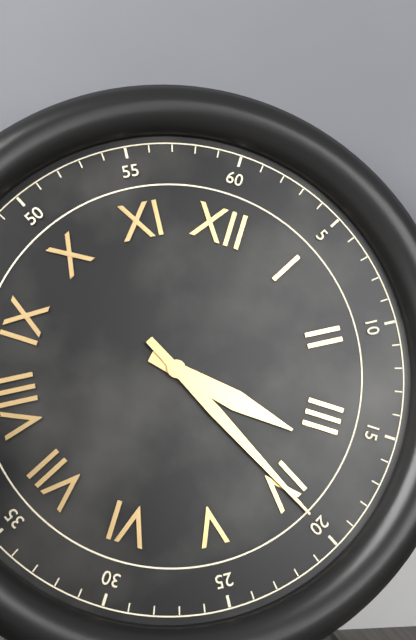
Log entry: 3,20
